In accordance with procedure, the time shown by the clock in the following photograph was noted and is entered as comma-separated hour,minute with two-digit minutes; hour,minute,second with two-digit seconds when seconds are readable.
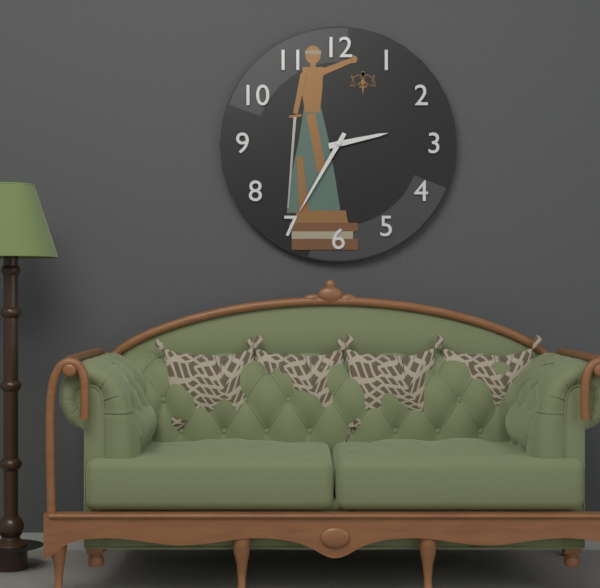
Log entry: 2,35
